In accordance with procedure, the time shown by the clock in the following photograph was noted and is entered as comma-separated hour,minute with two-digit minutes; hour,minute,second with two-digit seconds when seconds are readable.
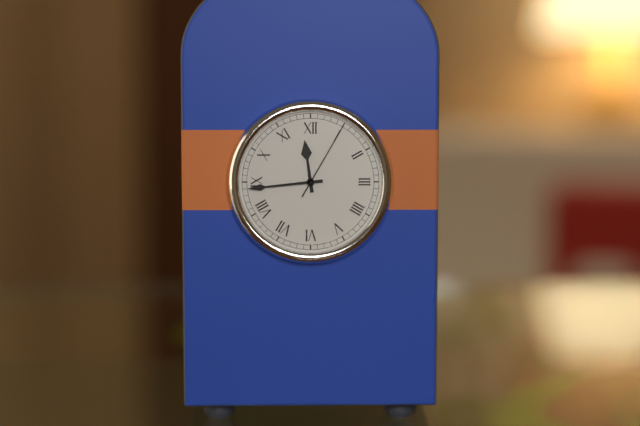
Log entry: 11,44,05
